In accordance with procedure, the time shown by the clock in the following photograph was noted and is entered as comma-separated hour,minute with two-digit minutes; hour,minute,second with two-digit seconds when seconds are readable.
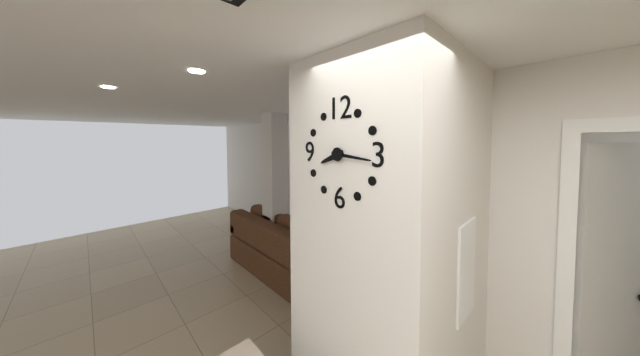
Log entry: 8,16
